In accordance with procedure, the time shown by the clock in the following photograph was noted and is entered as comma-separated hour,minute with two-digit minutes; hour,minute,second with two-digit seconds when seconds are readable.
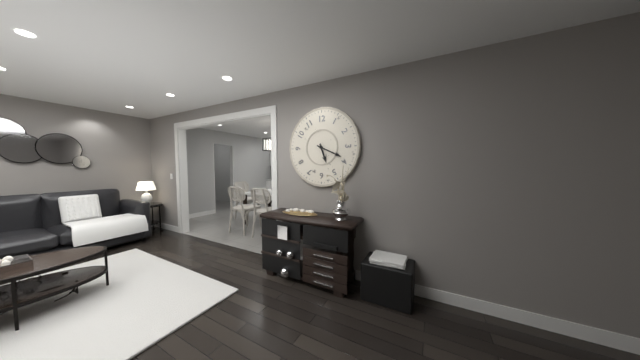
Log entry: 5,19
